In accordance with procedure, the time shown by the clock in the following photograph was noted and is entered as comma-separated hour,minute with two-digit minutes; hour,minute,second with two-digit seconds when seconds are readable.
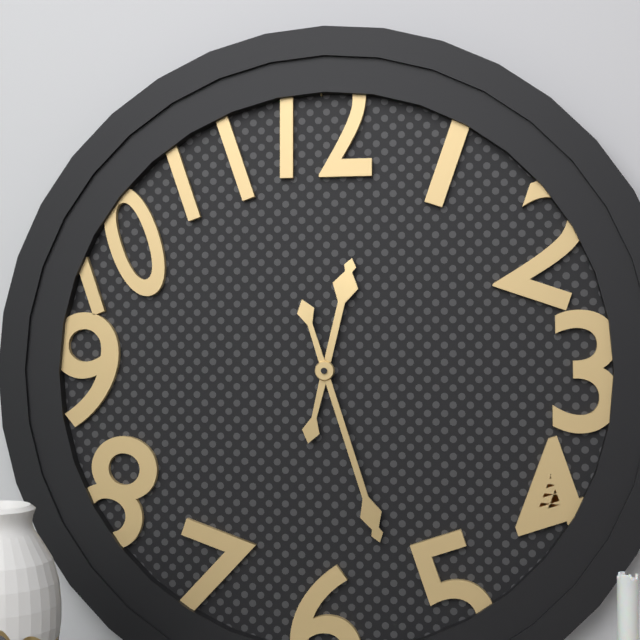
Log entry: 12,27
